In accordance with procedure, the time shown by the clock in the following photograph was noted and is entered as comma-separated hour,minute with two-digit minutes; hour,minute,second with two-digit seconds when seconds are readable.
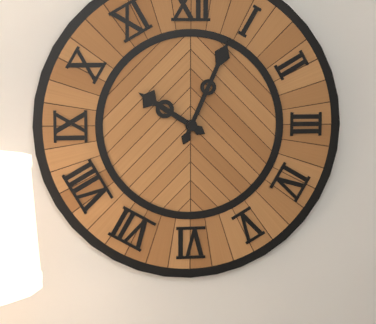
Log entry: 10,04
